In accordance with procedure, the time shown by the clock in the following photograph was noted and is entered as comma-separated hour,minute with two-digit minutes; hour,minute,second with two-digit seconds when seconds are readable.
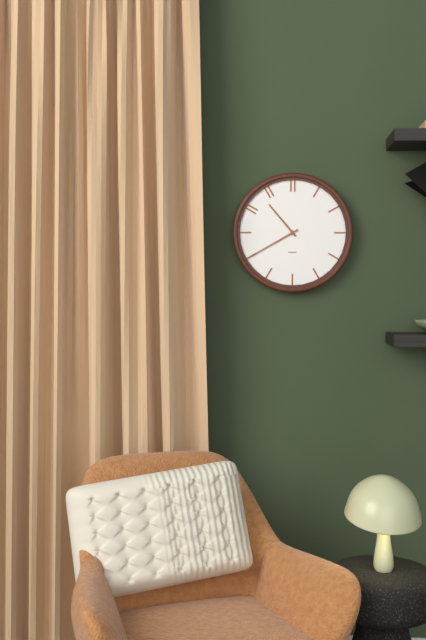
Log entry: 10,40
